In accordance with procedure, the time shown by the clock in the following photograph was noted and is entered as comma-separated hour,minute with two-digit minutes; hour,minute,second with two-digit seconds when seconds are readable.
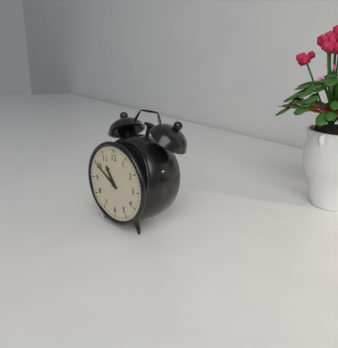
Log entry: 10,50
